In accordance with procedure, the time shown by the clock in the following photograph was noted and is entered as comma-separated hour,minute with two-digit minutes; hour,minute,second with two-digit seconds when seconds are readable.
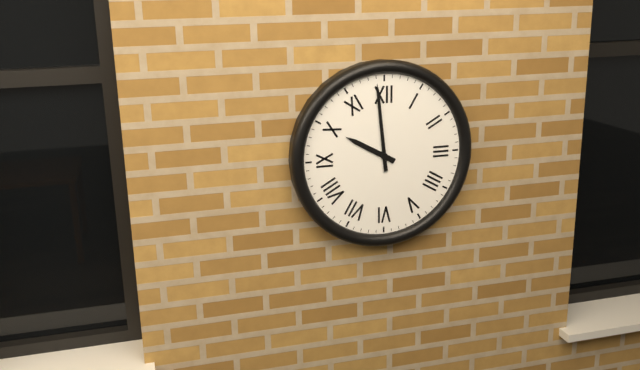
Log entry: 9,59
